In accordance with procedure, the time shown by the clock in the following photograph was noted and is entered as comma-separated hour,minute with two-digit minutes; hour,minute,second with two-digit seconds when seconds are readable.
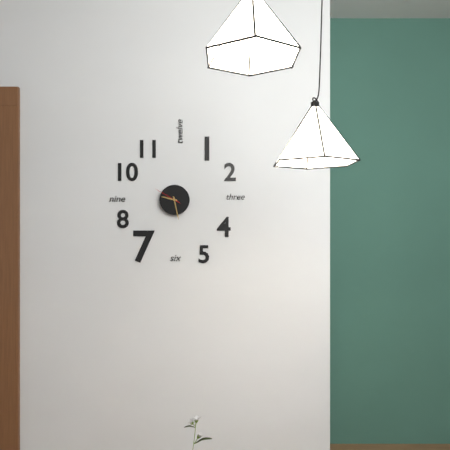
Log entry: 9,28
